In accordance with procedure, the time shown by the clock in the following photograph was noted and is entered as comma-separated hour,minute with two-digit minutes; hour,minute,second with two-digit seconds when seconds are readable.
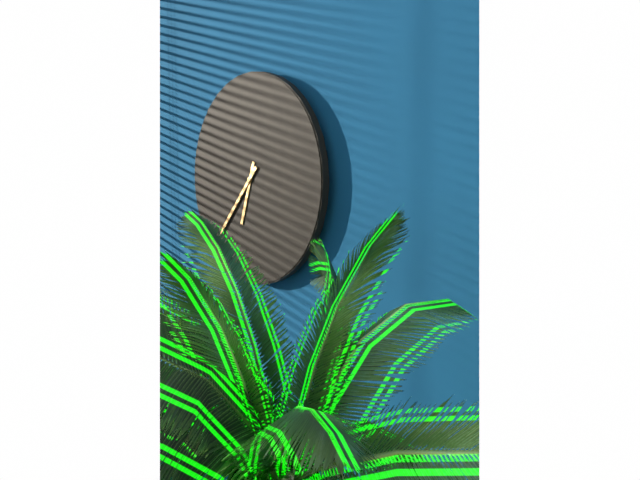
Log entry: 6,37
